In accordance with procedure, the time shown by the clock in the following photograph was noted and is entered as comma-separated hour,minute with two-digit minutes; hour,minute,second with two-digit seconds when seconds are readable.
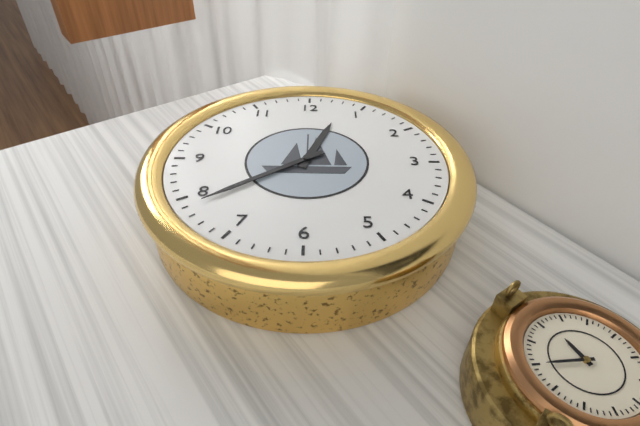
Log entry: 12,39
